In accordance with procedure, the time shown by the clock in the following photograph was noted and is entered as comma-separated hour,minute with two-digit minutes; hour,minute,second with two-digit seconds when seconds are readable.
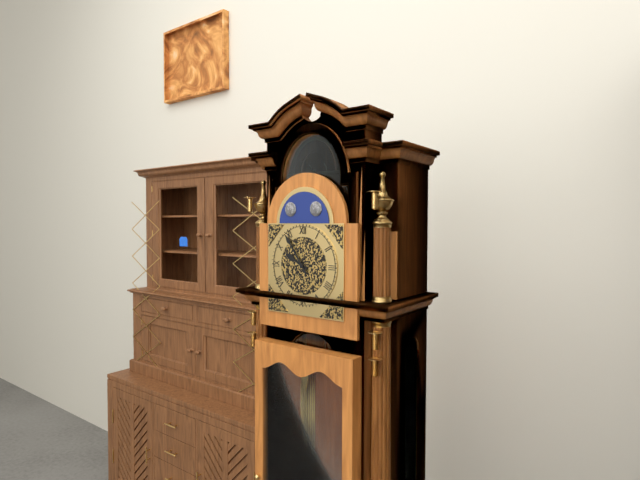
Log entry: 9,54
